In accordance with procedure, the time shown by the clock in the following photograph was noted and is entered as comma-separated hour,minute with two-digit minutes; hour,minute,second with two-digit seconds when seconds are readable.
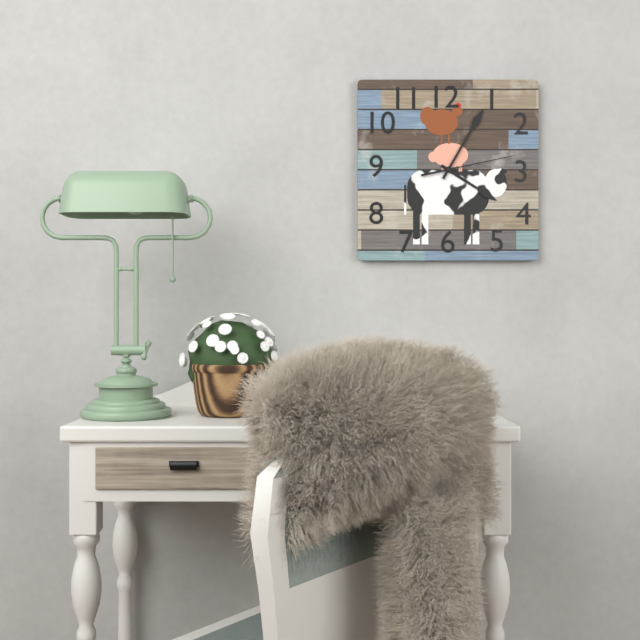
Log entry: 4,05,13
